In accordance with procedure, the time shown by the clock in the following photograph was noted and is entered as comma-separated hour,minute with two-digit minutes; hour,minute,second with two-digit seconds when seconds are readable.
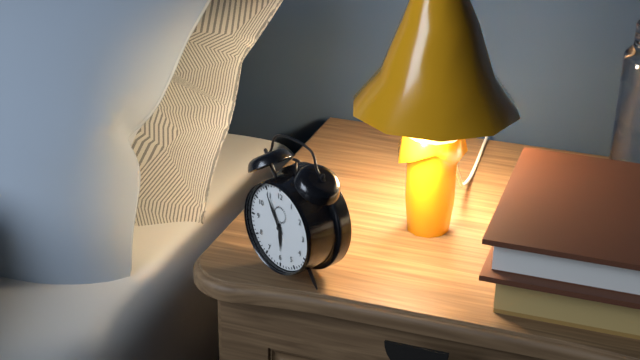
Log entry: 5,55
